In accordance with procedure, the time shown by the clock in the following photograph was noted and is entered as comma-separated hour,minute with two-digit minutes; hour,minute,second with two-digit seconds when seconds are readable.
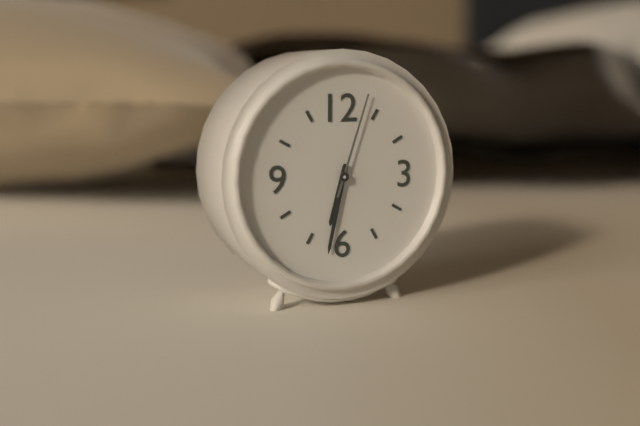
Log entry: 6,32,03
